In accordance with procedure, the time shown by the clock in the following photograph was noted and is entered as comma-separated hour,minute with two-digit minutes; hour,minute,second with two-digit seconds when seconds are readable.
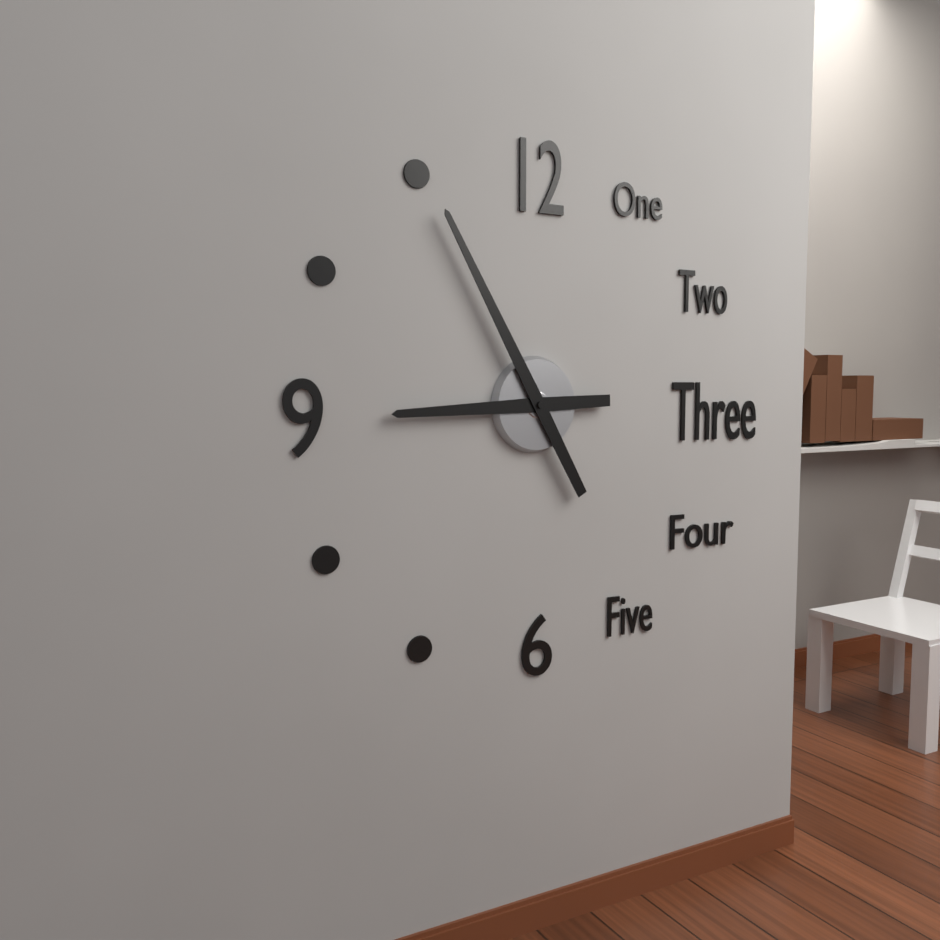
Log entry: 8,55
